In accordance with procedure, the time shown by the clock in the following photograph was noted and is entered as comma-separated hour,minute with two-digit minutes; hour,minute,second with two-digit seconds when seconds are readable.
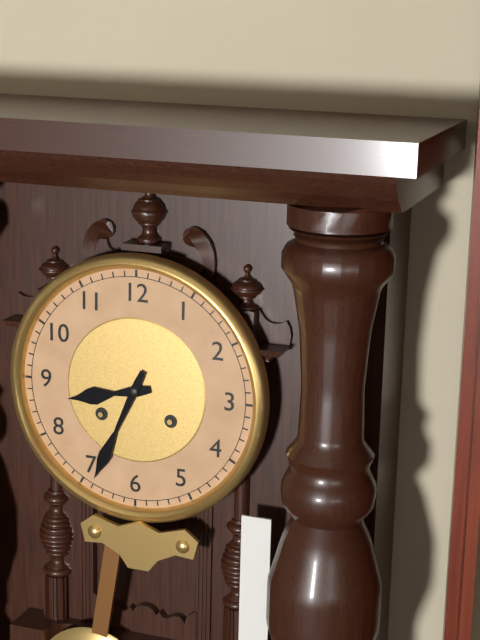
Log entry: 8,34
